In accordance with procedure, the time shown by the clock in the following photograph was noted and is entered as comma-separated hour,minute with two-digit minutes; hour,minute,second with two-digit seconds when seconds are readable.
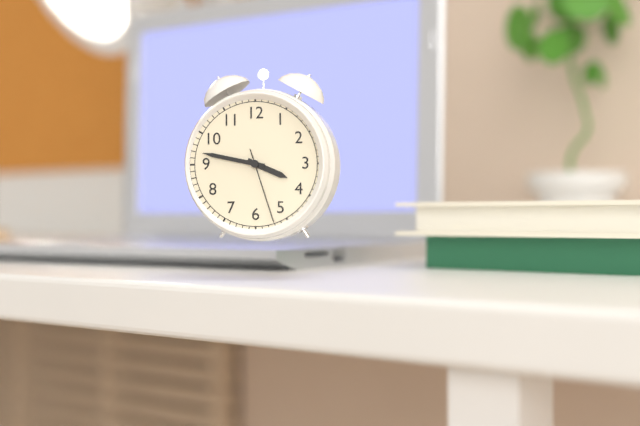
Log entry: 3,47,27
